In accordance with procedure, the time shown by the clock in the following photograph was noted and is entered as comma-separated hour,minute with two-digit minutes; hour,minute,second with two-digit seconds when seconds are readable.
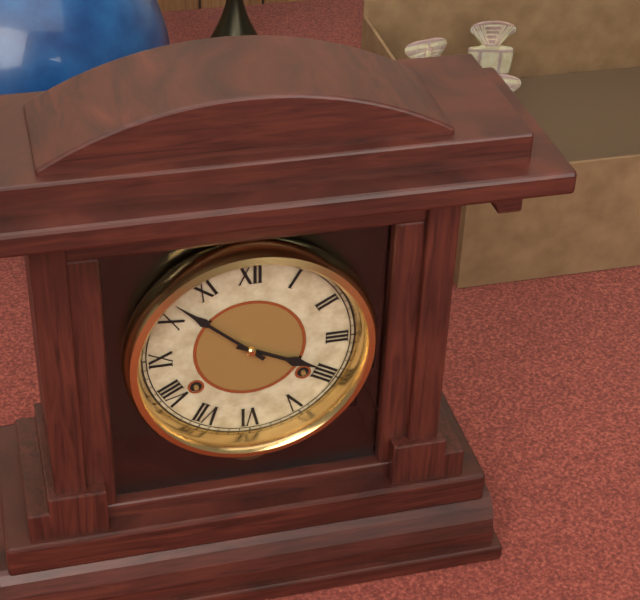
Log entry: 3,52
